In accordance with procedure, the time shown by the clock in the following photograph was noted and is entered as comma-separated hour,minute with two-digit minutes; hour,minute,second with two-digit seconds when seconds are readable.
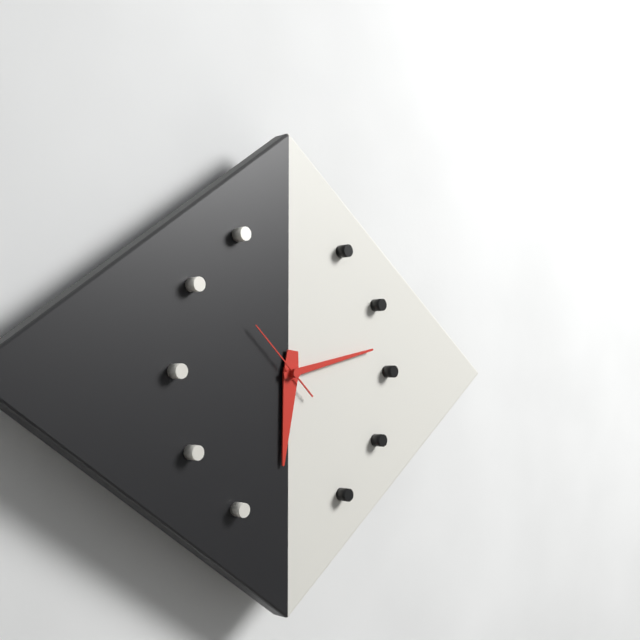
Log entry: 6,13,52
